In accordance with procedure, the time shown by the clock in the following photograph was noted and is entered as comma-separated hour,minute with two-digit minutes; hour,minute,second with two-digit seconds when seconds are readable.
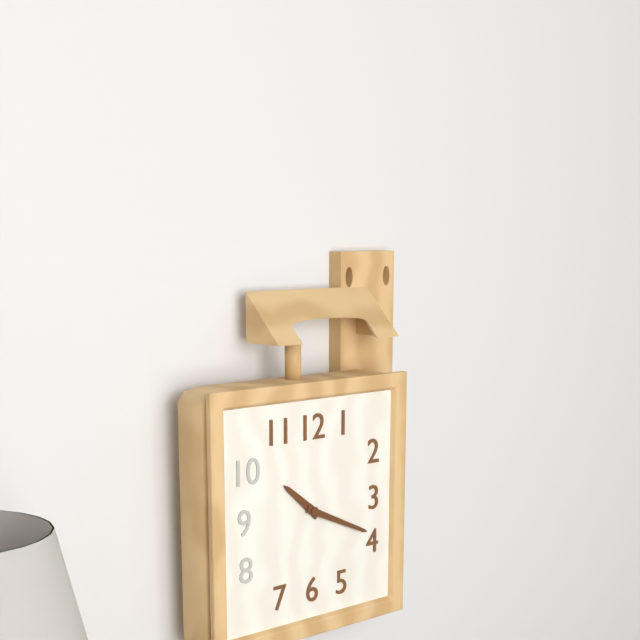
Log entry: 10,19
